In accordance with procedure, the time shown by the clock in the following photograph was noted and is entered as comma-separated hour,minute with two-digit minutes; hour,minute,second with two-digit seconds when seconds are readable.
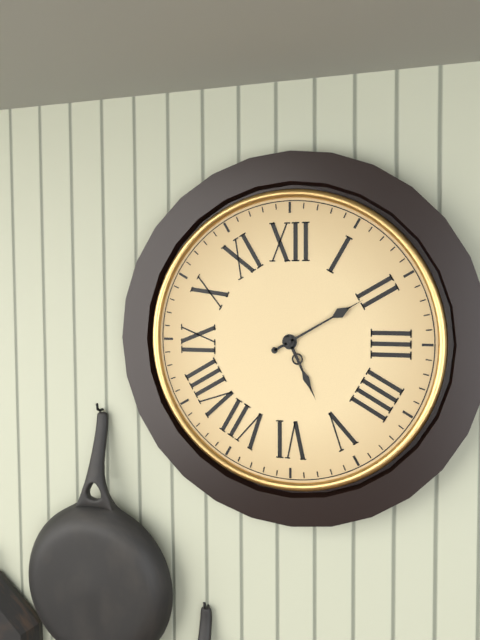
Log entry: 5,10
